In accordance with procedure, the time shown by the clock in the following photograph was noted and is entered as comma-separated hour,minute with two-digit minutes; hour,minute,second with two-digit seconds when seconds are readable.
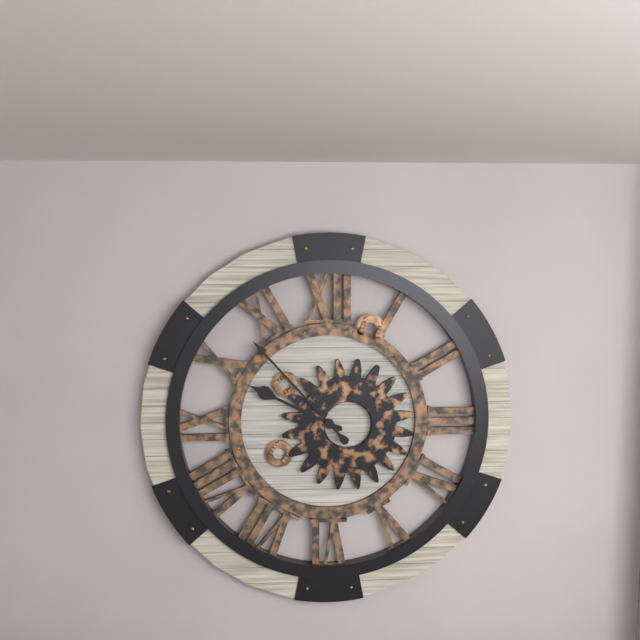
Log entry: 9,53
